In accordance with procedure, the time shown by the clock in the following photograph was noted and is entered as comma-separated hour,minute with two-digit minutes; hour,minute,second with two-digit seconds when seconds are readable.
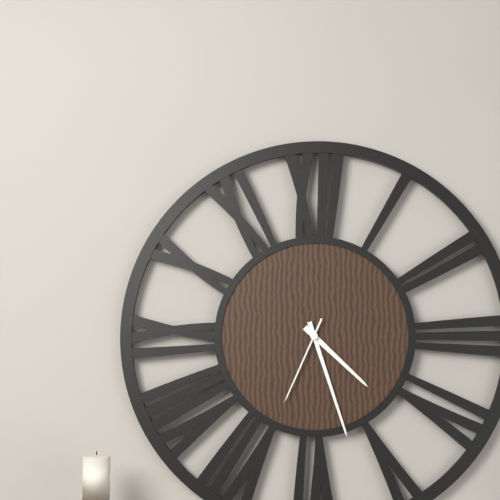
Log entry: 4,27,34
